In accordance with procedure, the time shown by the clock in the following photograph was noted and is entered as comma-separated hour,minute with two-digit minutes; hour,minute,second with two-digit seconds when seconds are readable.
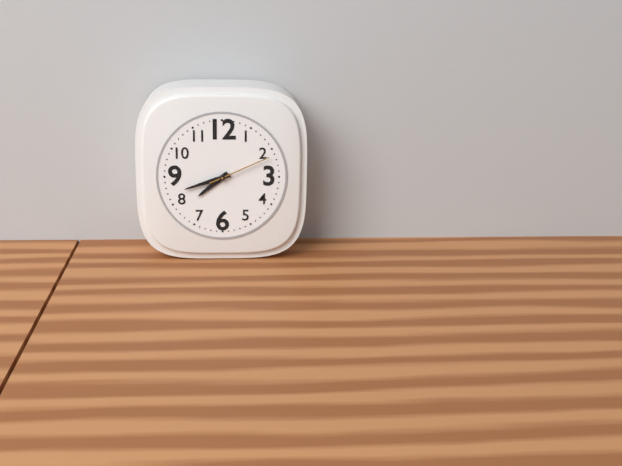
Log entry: 7,42,11
